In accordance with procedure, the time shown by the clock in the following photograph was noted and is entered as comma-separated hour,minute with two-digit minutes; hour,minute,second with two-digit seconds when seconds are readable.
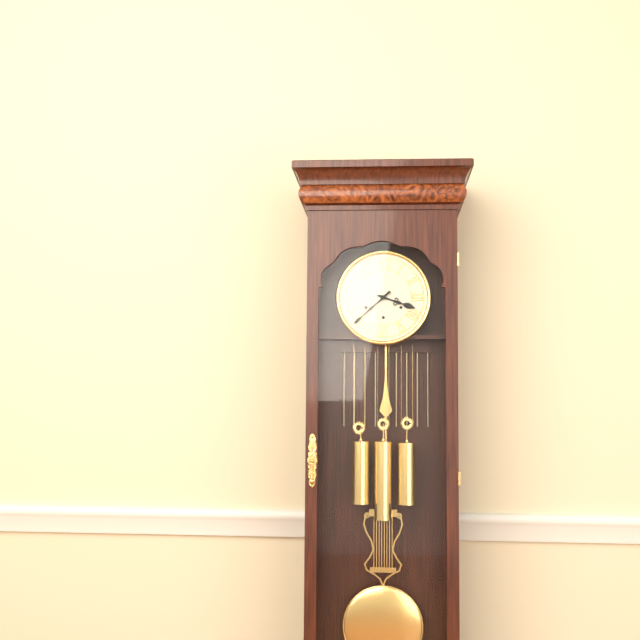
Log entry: 3,38
